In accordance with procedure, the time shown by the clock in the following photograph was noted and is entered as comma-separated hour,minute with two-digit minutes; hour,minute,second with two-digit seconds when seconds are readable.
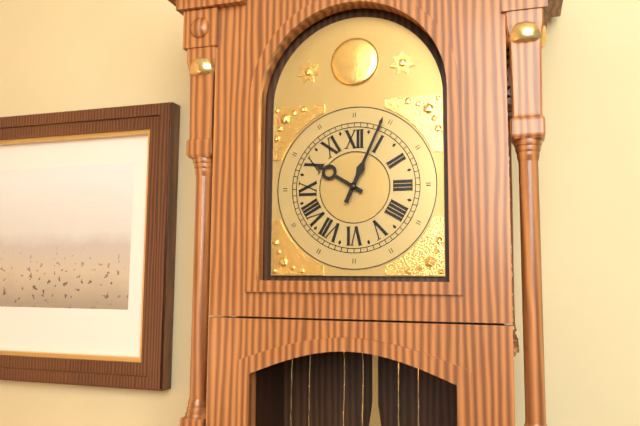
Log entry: 10,04
